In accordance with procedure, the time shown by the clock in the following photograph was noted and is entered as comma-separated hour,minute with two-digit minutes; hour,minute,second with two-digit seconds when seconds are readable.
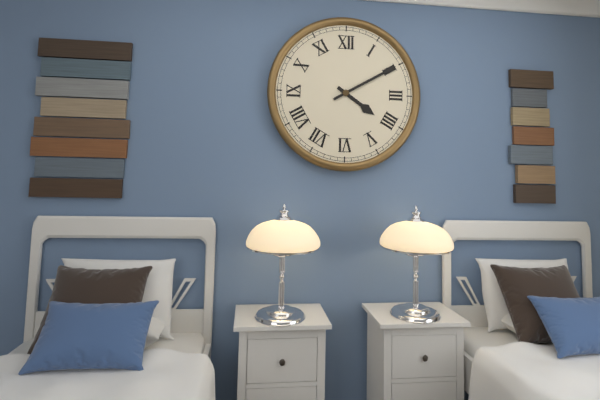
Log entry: 4,10
